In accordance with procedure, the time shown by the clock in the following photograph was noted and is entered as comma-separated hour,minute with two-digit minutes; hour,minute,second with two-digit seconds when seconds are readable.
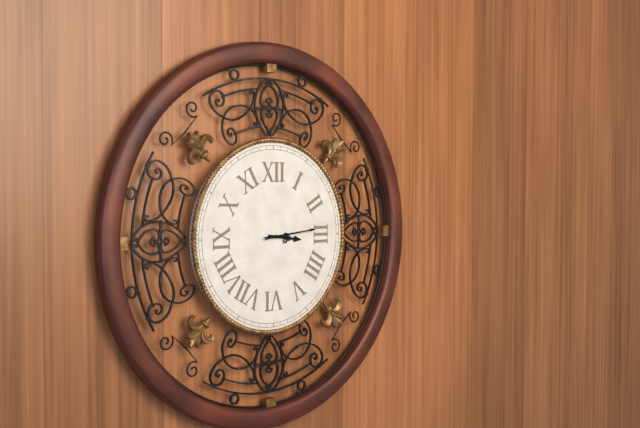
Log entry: 3,14
